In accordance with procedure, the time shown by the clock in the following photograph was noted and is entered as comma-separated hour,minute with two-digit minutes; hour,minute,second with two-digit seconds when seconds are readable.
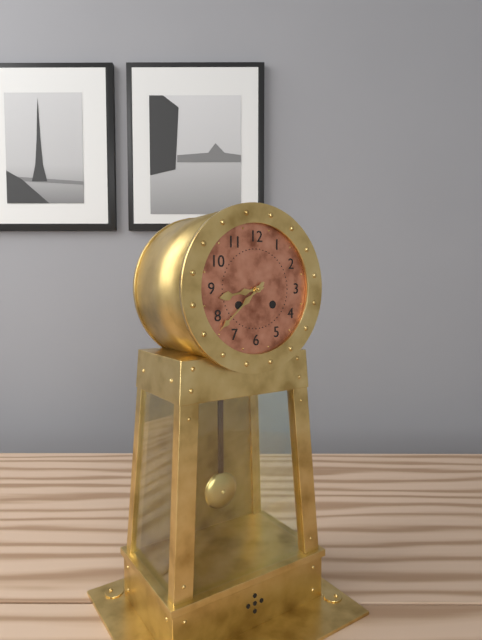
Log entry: 8,38
